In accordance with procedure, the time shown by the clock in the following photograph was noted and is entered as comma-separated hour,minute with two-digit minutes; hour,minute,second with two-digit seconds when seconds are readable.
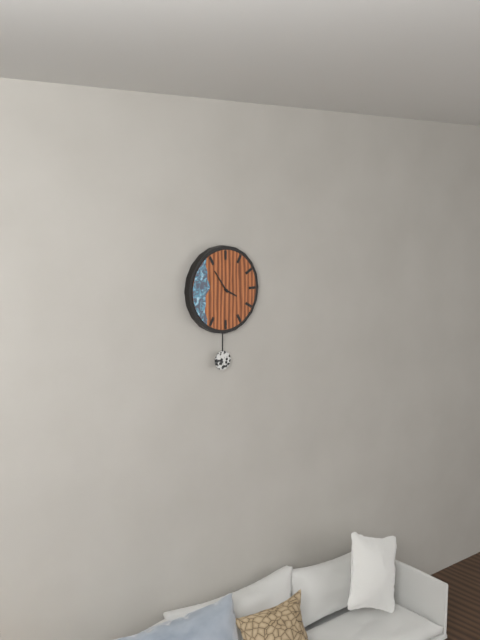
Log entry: 3,54
